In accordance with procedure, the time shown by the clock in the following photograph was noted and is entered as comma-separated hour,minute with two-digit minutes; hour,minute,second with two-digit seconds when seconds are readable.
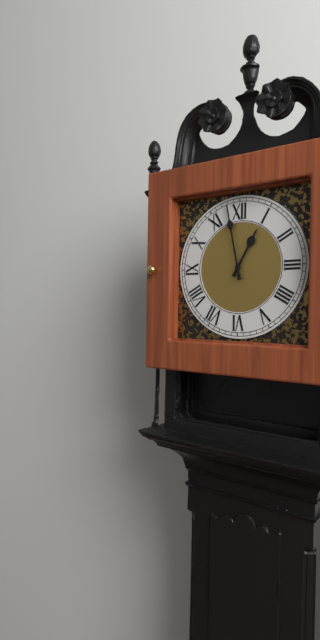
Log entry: 12,58
